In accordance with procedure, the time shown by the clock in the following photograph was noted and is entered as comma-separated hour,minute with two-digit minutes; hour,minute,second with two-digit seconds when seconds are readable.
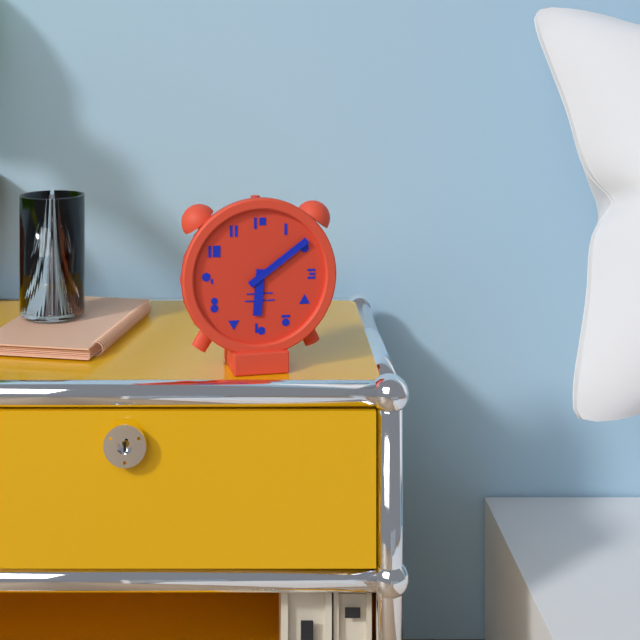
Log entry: 6,09
